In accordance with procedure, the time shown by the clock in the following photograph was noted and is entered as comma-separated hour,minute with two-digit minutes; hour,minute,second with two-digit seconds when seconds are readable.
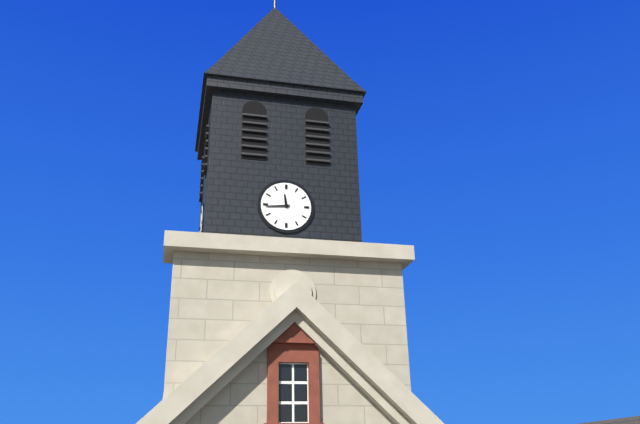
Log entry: 11,44
